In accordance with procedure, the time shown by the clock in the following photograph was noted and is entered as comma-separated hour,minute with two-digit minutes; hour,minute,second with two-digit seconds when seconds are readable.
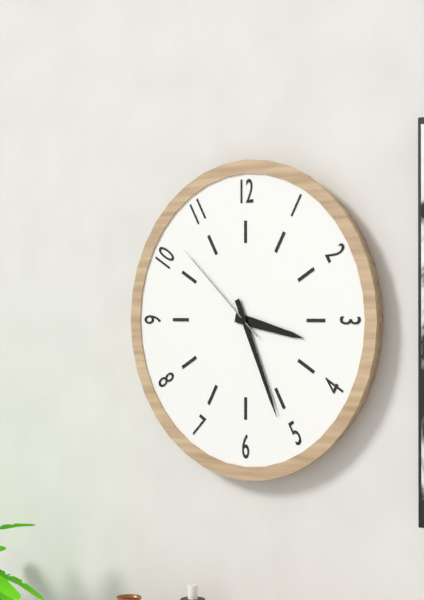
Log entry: 3,26,52
